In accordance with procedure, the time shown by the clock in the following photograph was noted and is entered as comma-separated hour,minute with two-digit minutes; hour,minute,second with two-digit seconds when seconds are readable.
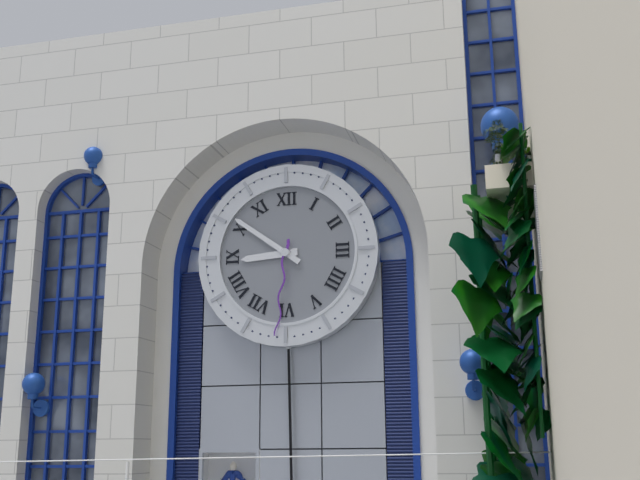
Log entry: 8,51,31
